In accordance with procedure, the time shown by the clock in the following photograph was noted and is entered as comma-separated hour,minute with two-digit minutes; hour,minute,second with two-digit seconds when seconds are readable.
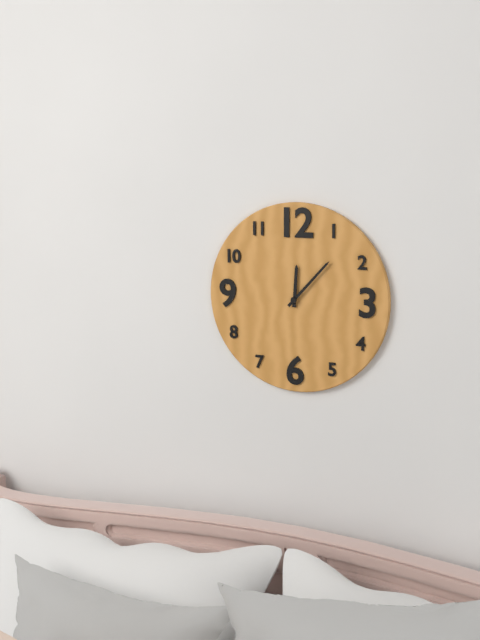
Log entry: 12,07
